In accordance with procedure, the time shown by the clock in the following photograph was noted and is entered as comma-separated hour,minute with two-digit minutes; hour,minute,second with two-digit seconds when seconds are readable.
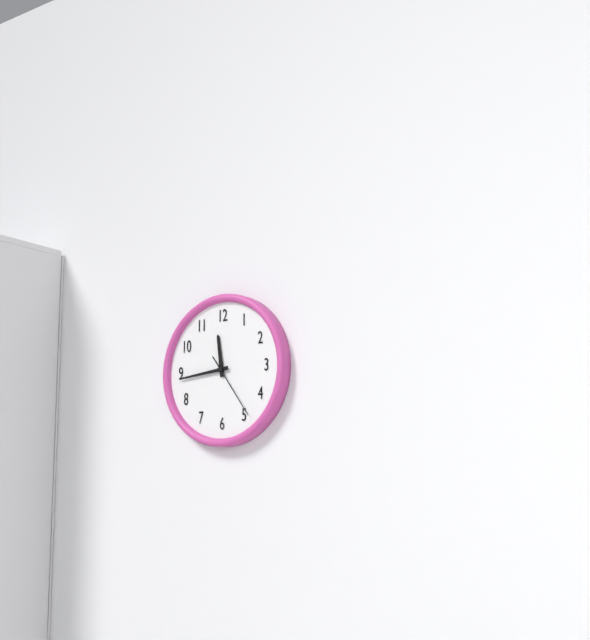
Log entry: 11,44,24
